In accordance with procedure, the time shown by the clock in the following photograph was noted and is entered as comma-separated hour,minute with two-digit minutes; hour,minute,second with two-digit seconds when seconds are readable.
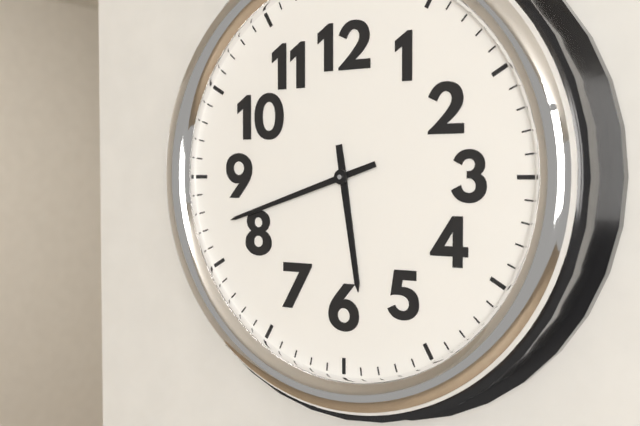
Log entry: 5,42
